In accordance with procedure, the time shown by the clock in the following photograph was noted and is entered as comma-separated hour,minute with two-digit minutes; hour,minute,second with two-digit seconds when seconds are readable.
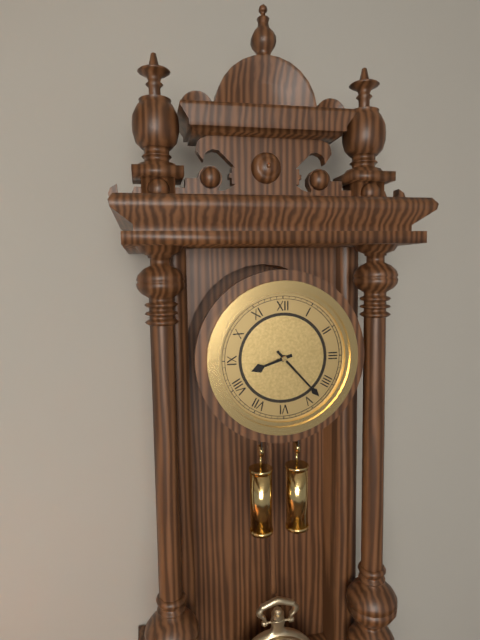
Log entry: 8,23
